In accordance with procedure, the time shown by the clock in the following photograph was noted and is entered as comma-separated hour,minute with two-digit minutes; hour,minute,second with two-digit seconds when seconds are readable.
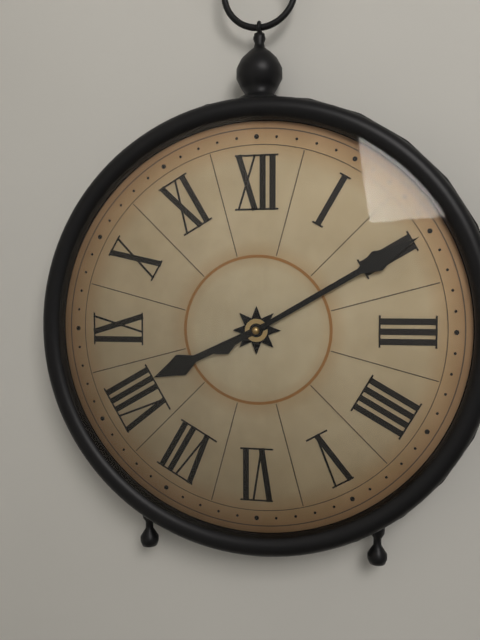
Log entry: 8,10
